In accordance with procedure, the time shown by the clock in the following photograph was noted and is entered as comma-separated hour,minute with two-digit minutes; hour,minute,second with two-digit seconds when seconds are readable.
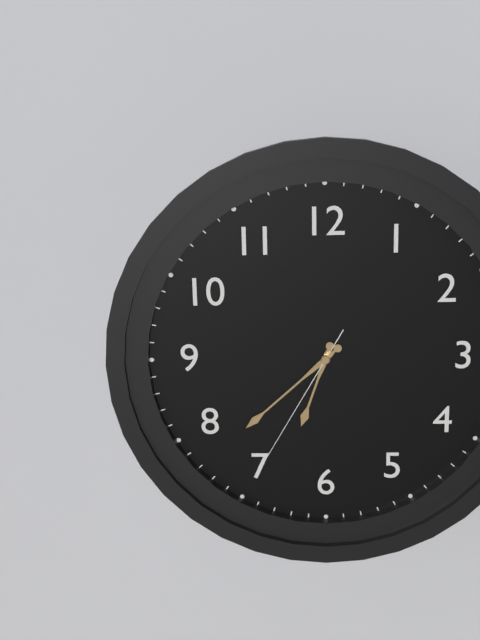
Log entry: 6,38,35
